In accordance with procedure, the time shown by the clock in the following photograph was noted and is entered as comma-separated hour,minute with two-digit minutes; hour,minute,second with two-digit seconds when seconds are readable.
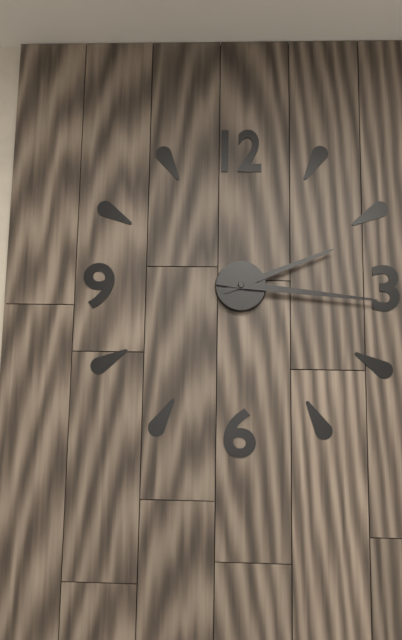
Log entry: 2,16
